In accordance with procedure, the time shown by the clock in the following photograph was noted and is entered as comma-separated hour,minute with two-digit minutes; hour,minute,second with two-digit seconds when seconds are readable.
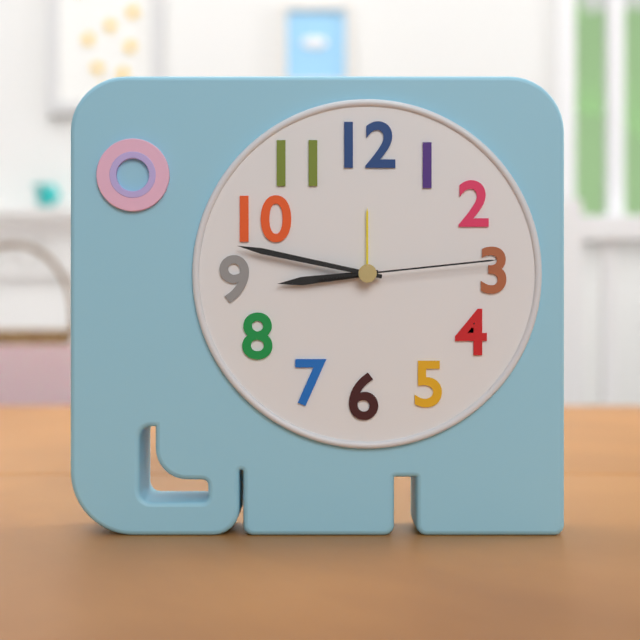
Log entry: 8,47,14
